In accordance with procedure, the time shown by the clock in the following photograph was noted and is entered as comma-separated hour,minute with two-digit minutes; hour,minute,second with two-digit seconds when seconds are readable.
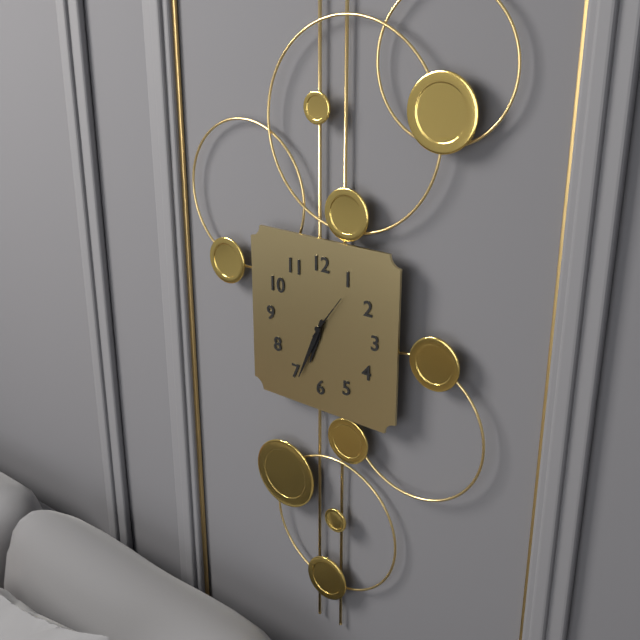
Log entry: 6,34
